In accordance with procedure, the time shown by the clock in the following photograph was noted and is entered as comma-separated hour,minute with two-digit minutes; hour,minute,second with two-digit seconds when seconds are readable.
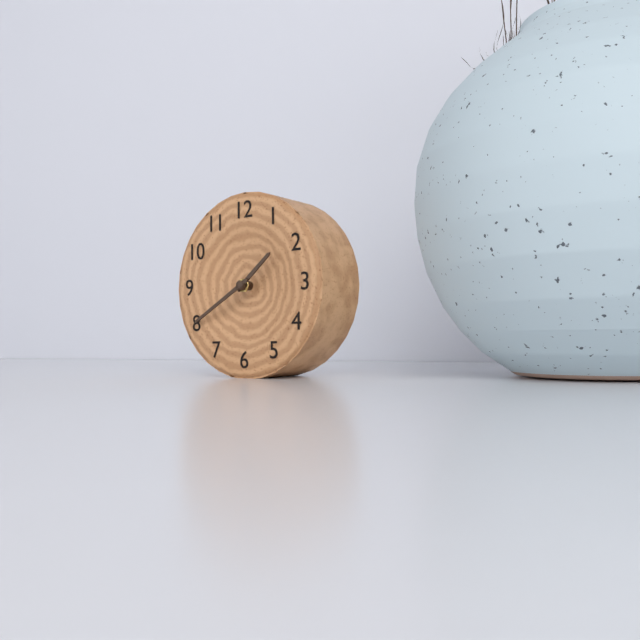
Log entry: 1,40
